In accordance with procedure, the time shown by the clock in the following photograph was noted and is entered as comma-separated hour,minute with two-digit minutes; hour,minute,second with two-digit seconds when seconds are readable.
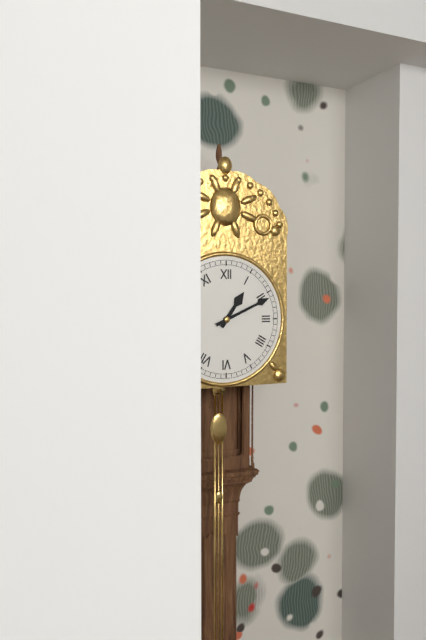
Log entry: 1,11
